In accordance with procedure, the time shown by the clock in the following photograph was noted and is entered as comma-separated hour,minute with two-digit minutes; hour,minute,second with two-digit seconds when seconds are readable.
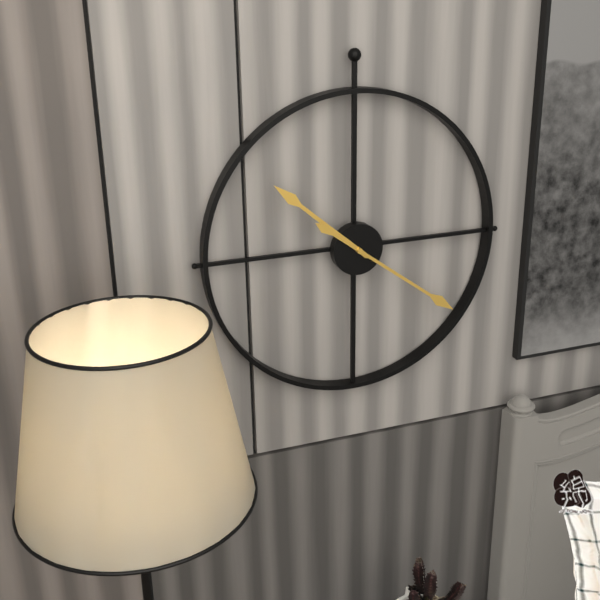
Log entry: 10,21
